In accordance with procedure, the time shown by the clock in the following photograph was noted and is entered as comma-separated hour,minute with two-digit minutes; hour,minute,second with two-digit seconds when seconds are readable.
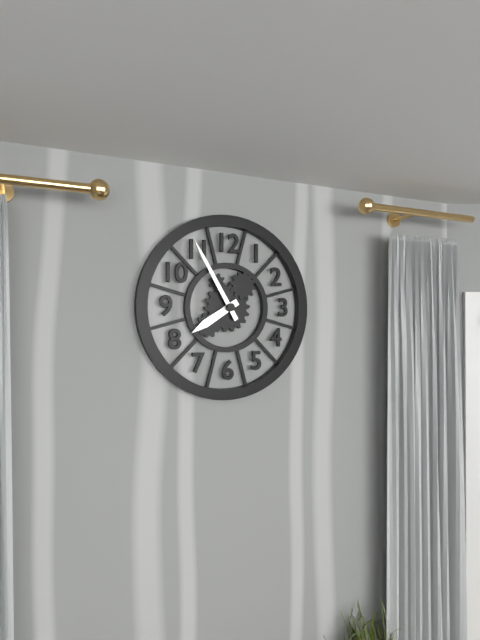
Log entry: 7,55
